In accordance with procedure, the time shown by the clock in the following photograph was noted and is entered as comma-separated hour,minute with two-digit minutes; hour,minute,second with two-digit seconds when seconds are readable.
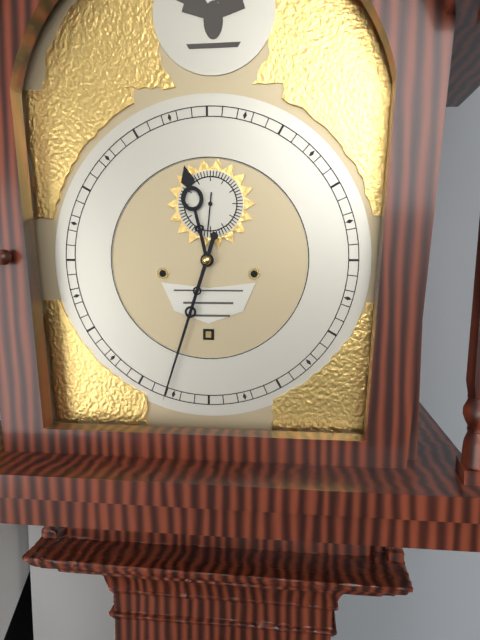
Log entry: 11,33
